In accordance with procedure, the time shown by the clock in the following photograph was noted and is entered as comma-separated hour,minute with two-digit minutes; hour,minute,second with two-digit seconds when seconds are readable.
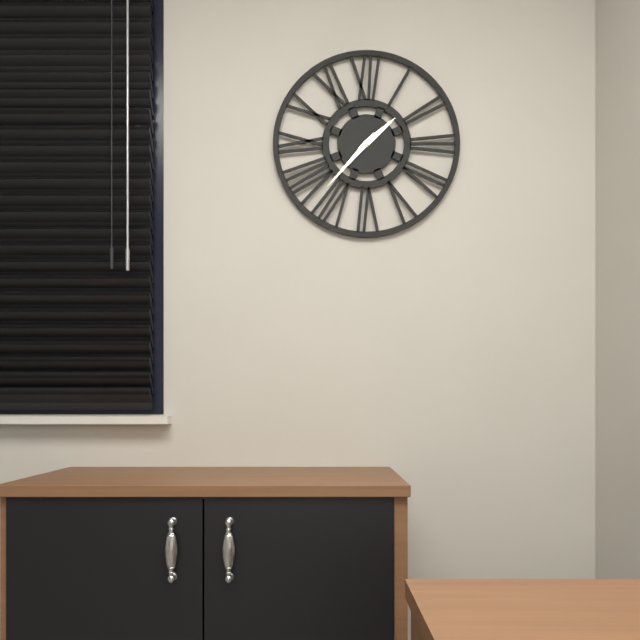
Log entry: 1,37
